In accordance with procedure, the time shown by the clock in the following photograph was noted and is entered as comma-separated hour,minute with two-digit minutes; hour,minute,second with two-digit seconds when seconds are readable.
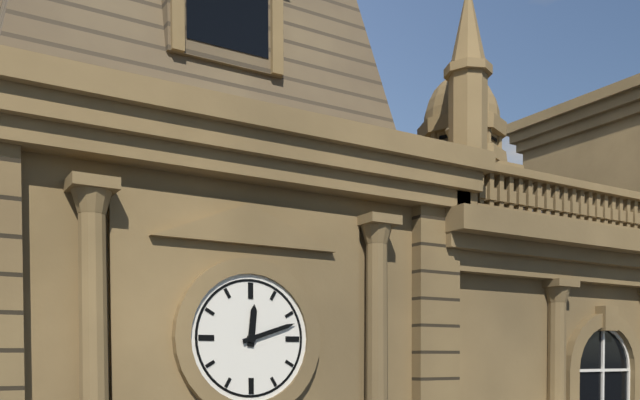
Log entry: 12,12
